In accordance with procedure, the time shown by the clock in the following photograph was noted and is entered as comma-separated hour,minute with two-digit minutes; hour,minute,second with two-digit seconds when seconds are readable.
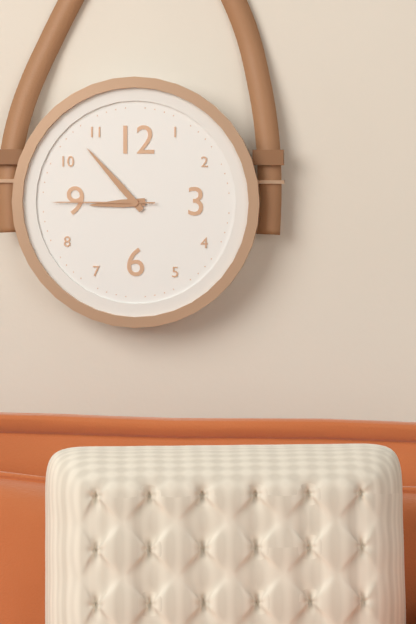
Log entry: 8,53,45
